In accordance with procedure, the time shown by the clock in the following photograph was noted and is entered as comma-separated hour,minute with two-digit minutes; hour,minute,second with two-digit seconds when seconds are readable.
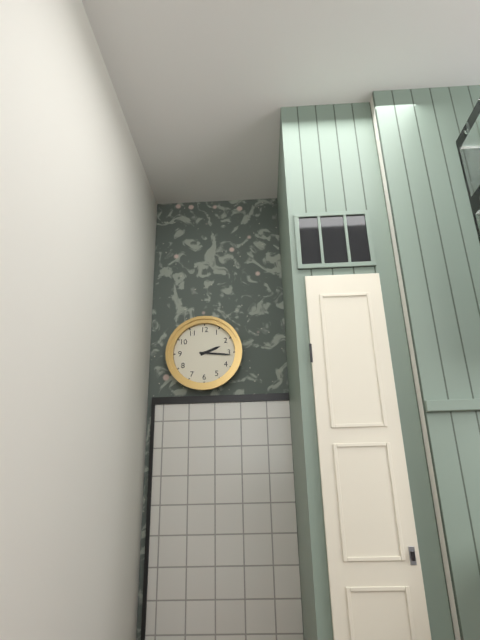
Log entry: 2,16
